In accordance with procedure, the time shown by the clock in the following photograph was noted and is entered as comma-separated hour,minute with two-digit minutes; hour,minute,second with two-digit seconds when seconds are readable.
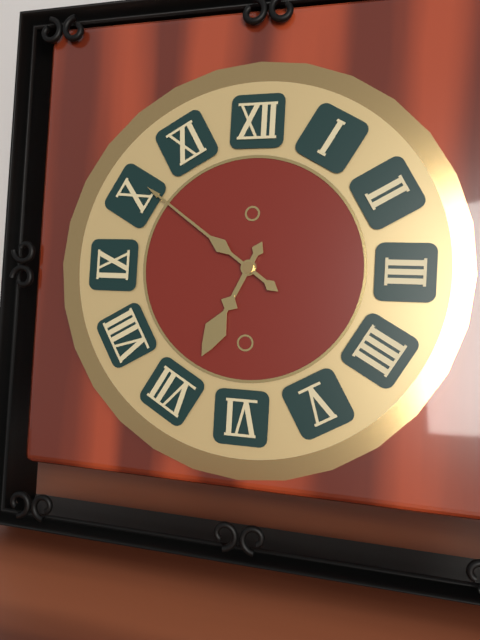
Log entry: 6,51
